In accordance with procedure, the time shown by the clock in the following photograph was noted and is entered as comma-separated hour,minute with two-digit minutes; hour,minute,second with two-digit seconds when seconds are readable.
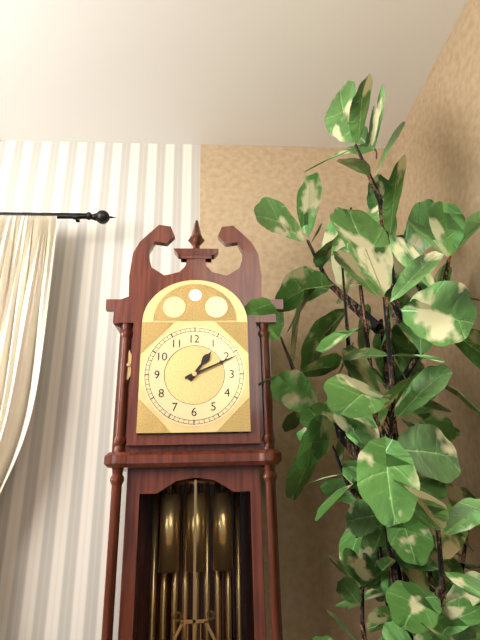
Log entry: 1,11
